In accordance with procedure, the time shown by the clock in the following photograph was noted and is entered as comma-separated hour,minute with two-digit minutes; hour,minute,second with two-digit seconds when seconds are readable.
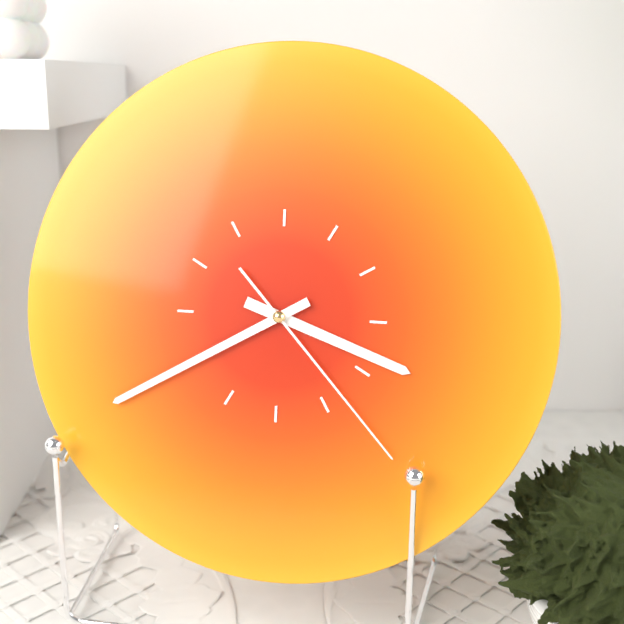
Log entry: 3,40,23
